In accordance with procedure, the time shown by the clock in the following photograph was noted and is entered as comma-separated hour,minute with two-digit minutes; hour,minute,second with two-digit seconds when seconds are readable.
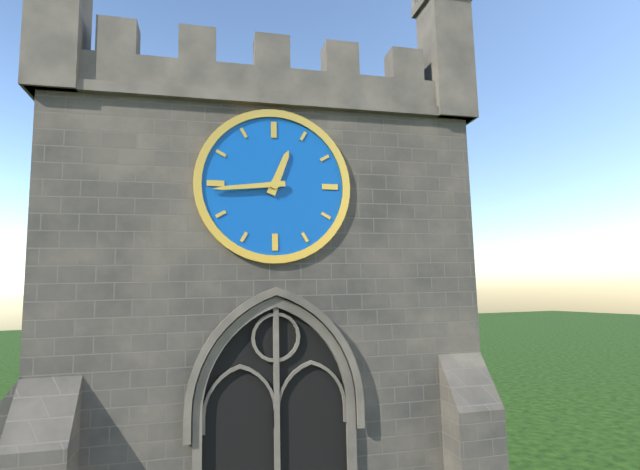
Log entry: 12,44
